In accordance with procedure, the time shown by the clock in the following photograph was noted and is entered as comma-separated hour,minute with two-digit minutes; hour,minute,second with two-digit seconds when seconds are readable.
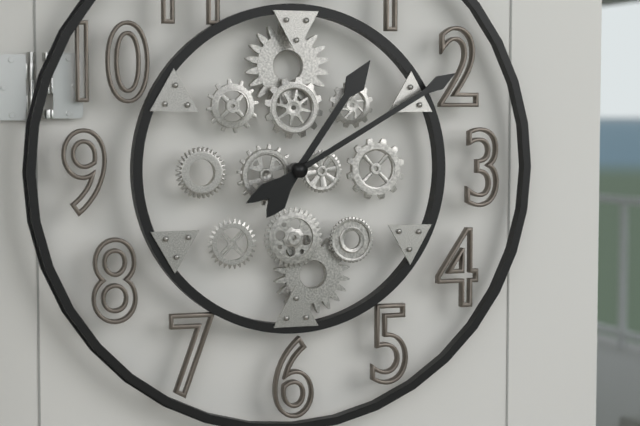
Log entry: 1,10
